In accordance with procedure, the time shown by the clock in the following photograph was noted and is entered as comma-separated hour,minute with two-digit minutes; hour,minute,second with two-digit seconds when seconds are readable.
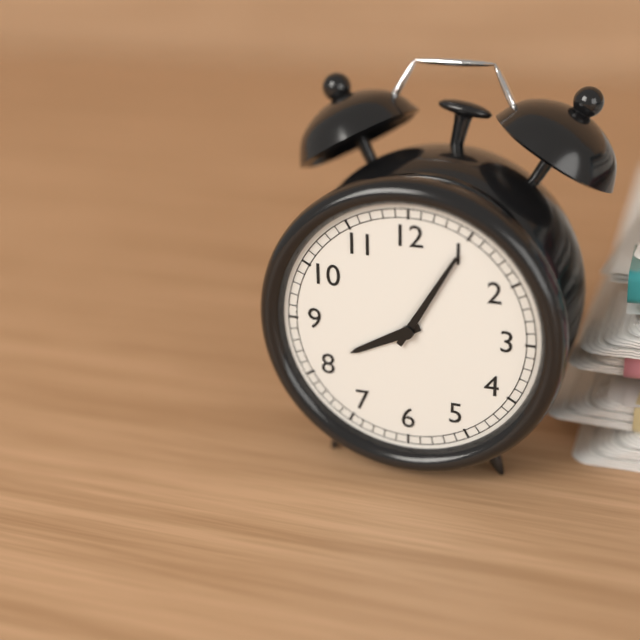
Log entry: 8,05
